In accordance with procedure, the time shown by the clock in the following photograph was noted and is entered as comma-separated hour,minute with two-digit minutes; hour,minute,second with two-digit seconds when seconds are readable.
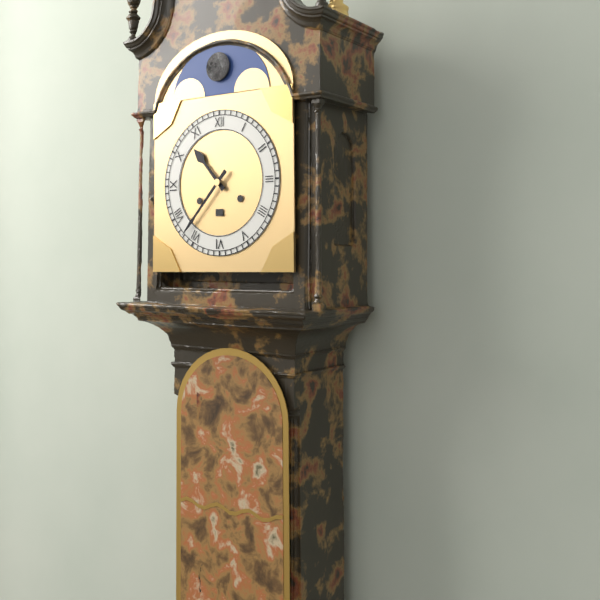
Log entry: 10,37
